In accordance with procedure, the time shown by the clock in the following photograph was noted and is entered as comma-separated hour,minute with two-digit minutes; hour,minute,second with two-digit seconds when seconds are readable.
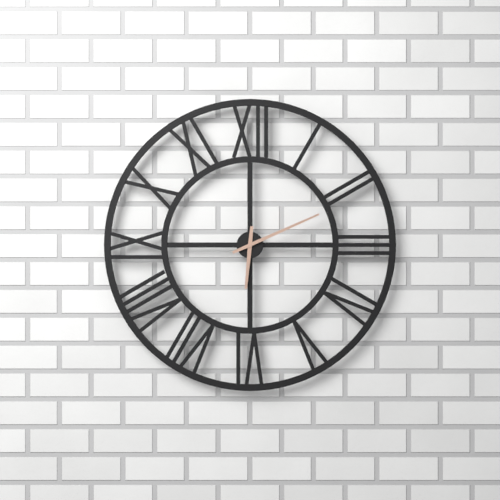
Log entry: 6,11
